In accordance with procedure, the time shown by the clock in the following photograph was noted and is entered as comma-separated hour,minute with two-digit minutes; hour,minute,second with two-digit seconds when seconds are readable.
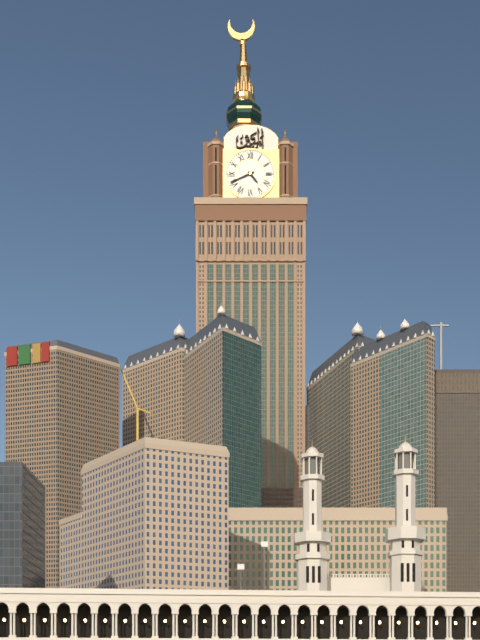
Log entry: 4,41
